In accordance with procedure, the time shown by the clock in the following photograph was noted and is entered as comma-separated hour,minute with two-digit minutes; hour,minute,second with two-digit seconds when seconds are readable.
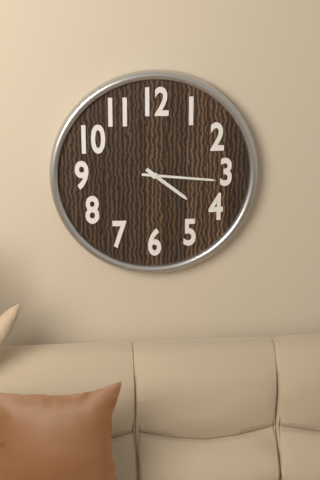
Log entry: 4,16
